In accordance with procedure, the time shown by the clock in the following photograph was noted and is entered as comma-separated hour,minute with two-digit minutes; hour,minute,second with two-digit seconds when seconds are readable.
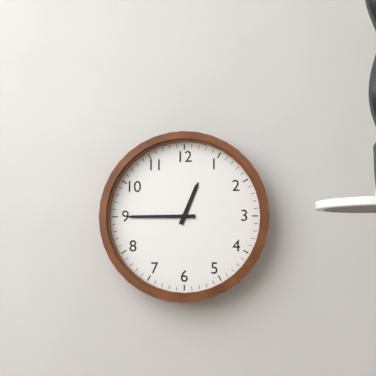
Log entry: 12,45
